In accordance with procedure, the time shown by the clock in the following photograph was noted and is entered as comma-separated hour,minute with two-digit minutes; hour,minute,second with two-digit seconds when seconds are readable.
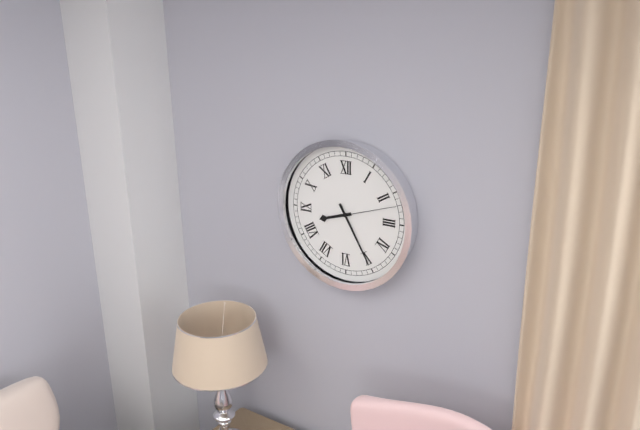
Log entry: 8,25,12
